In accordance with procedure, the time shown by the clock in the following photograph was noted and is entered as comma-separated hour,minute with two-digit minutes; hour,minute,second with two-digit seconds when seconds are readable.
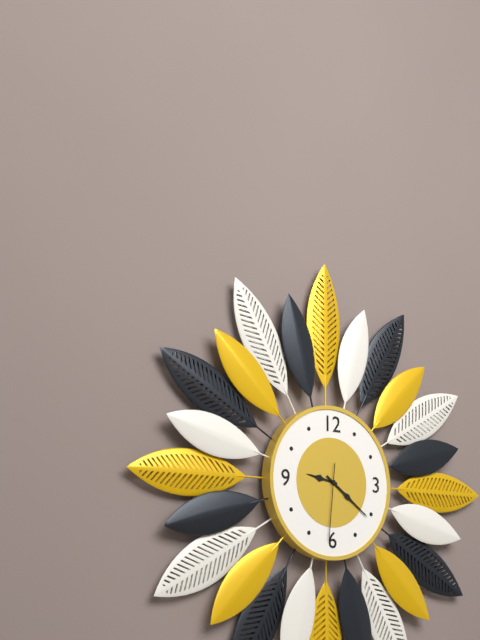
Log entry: 9,21,31
